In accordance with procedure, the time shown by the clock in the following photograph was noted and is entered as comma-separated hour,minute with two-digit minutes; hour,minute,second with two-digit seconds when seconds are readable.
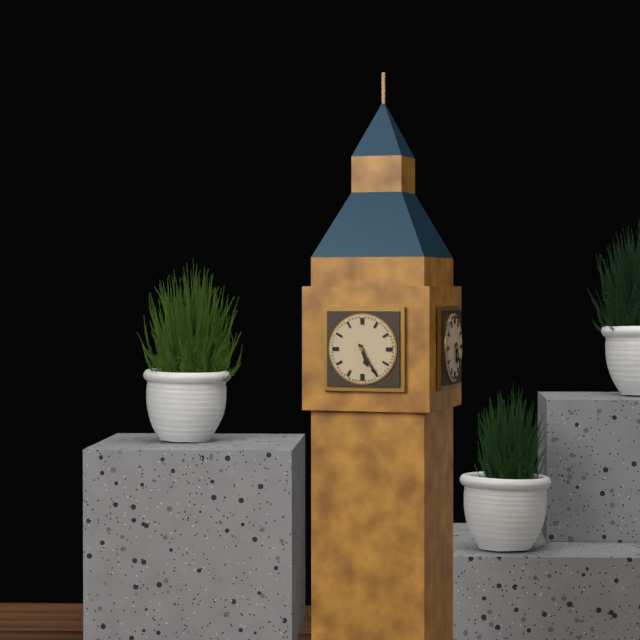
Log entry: 5,25
